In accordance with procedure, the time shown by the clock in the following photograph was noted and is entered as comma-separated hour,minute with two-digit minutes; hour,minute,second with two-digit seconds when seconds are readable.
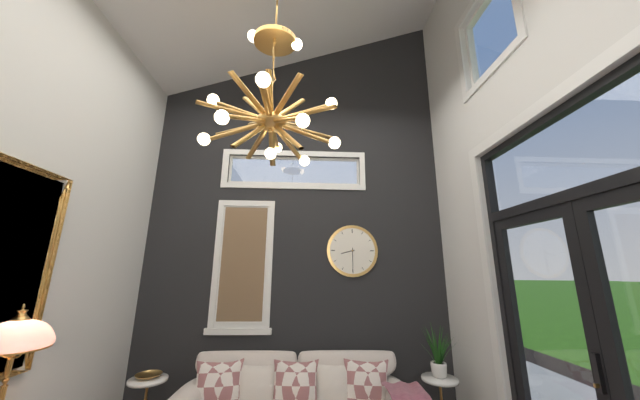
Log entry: 8,30
